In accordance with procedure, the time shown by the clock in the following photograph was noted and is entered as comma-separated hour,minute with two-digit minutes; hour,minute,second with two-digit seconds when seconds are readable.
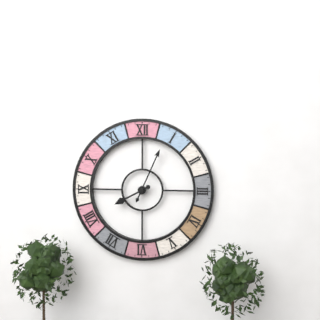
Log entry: 8,04
